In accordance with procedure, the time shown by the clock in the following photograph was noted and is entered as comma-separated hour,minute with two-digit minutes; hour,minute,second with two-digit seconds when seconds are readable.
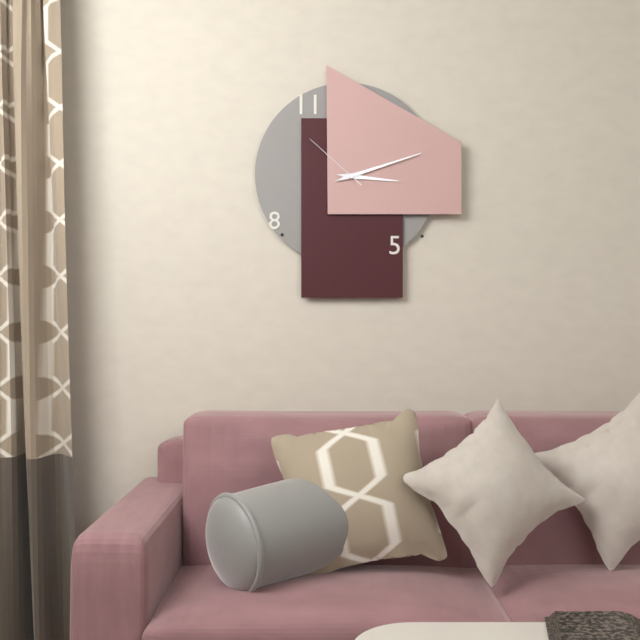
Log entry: 3,12,52
